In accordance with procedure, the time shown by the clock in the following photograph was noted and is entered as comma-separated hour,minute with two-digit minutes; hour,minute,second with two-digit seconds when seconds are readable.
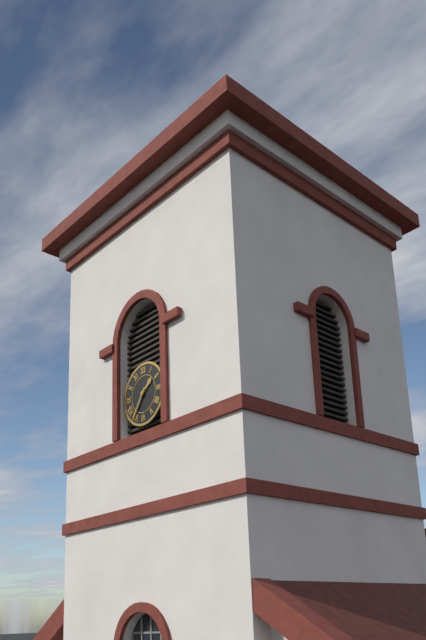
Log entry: 1,36
